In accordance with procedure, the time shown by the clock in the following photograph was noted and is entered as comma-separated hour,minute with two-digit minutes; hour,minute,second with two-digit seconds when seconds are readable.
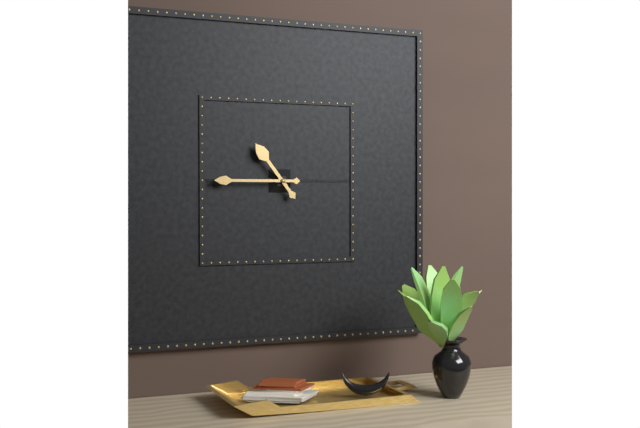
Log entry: 10,45
